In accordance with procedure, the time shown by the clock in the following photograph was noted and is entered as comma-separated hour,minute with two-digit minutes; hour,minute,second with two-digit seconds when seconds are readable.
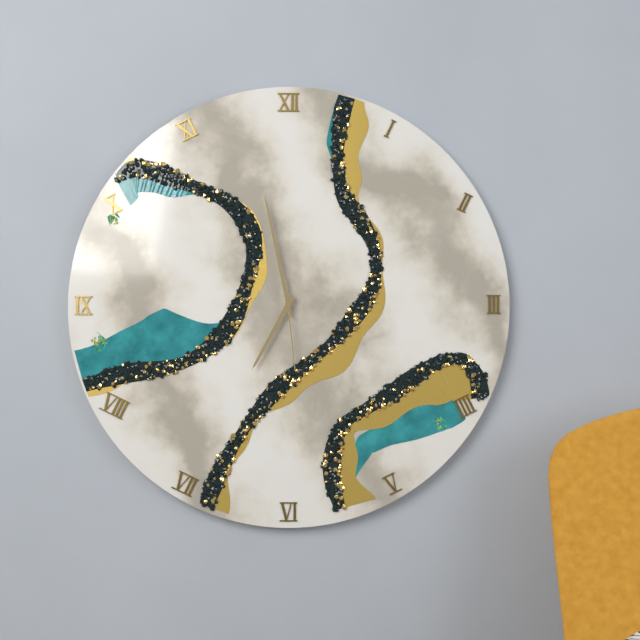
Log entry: 6,58,29
